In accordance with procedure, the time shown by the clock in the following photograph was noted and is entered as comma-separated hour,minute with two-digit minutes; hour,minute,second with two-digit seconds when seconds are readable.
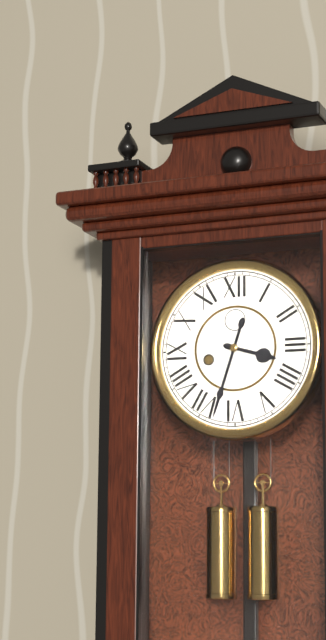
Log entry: 3,33
